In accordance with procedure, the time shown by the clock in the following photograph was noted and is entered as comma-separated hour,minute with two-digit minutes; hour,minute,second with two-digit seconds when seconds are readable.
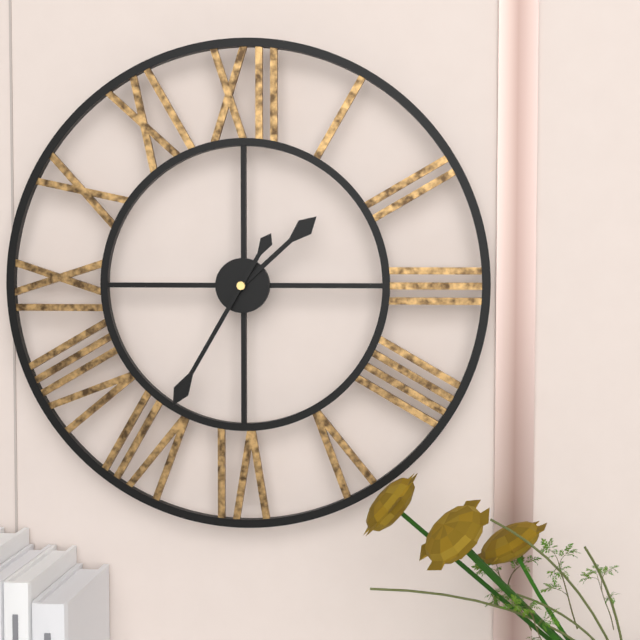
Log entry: 1,35
